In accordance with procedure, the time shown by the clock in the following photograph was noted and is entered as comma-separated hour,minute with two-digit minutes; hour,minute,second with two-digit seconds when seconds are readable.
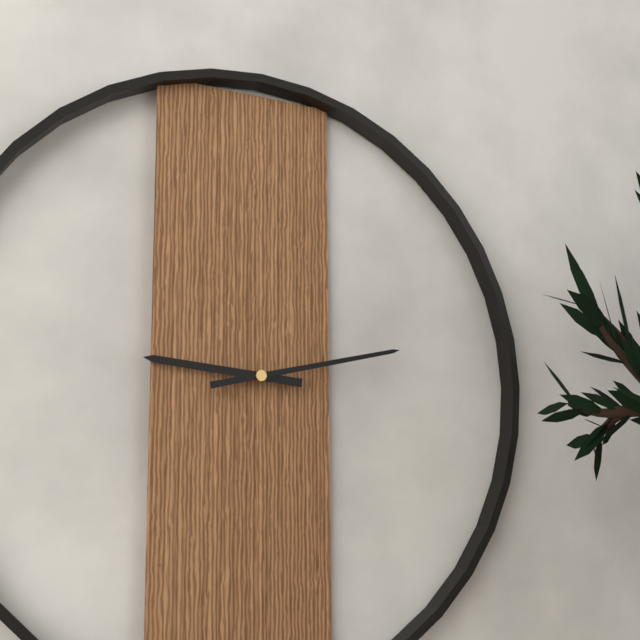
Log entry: 9,13
